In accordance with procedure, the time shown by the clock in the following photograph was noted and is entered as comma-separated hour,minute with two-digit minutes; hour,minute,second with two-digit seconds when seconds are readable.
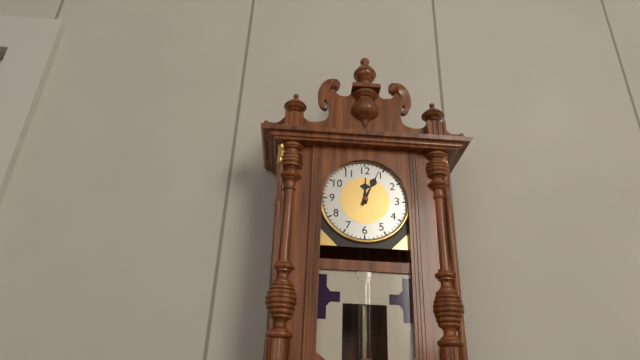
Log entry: 12,04
